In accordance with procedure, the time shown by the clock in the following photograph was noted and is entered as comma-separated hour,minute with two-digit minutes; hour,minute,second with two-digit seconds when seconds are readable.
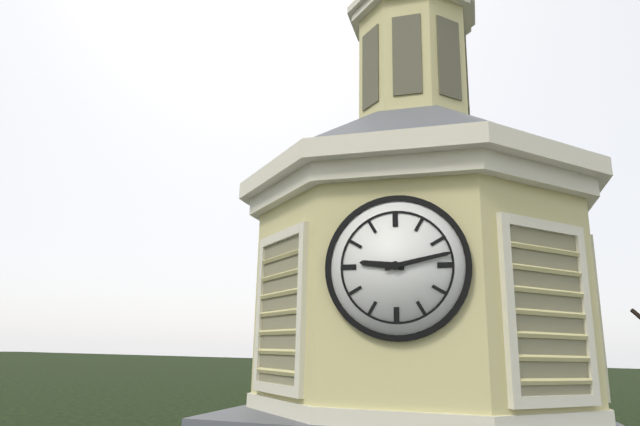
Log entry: 9,13
